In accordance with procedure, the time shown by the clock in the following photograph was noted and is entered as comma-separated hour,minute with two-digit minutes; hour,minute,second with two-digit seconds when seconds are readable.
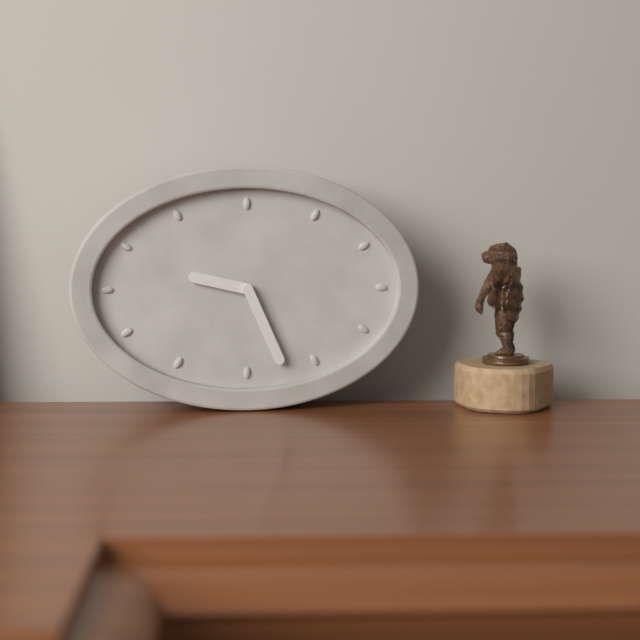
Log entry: 9,26
